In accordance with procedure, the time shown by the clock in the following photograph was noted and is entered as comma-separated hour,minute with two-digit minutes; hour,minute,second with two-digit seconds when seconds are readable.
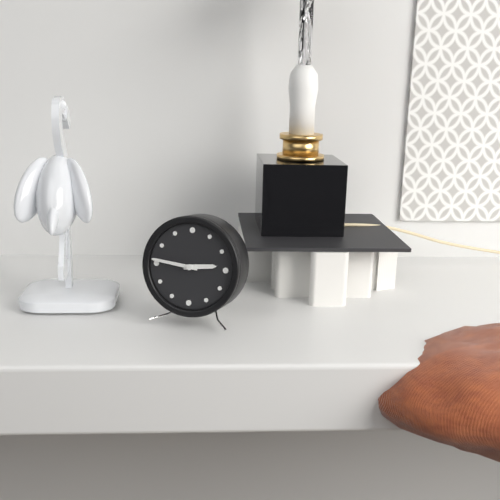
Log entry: 2,46
